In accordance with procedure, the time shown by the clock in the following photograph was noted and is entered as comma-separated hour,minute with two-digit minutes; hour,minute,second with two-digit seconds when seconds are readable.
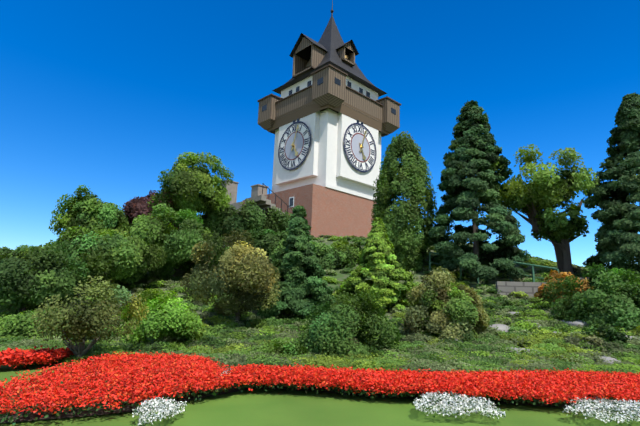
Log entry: 5,03
